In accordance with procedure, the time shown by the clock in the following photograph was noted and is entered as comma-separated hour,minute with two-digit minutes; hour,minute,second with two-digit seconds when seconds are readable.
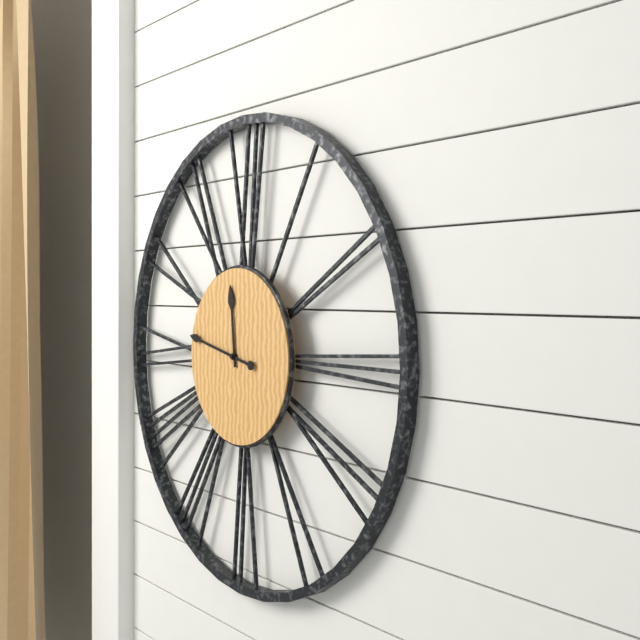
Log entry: 11,47
